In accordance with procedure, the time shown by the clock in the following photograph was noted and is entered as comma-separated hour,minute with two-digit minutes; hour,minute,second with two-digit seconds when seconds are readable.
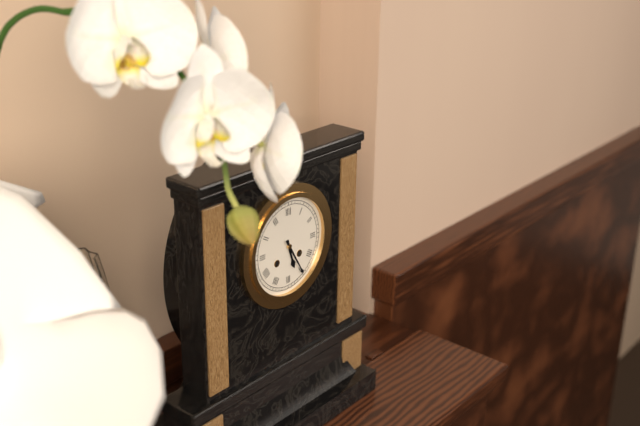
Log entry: 5,25
